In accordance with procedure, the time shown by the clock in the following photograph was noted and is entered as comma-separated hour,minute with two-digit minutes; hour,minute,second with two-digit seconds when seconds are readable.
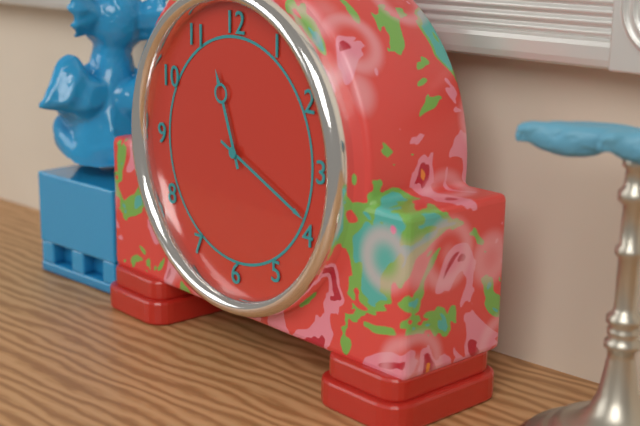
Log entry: 11,19
